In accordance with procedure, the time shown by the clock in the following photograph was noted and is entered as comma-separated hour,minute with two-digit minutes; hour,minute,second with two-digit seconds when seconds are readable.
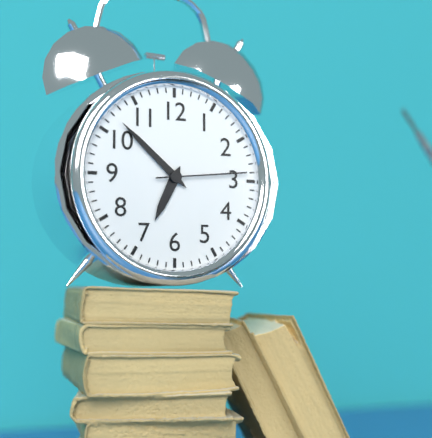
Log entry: 6,52,14
